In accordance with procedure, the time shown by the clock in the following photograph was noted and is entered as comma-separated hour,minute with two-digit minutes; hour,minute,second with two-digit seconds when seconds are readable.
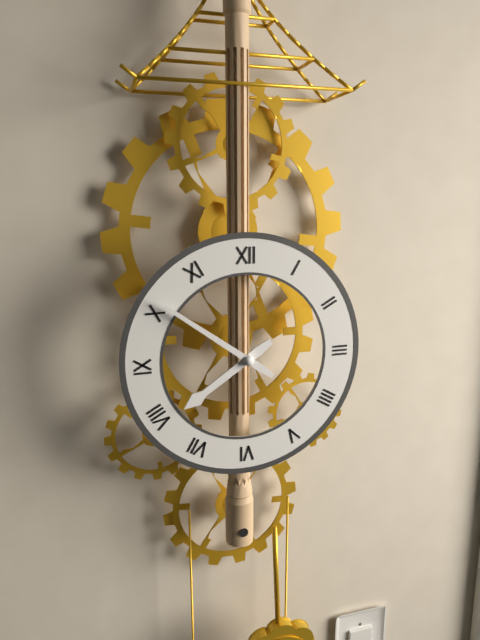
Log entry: 7,51
